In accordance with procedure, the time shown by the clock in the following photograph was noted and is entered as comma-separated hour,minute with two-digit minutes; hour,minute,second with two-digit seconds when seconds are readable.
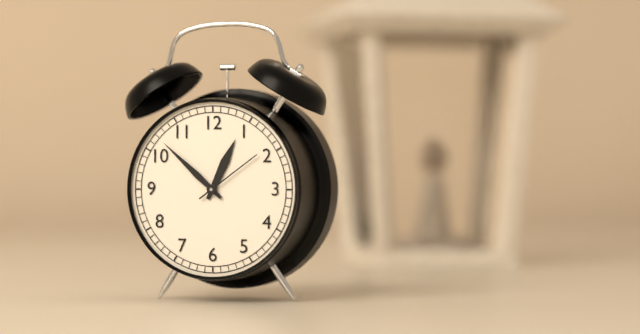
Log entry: 12,52,09
